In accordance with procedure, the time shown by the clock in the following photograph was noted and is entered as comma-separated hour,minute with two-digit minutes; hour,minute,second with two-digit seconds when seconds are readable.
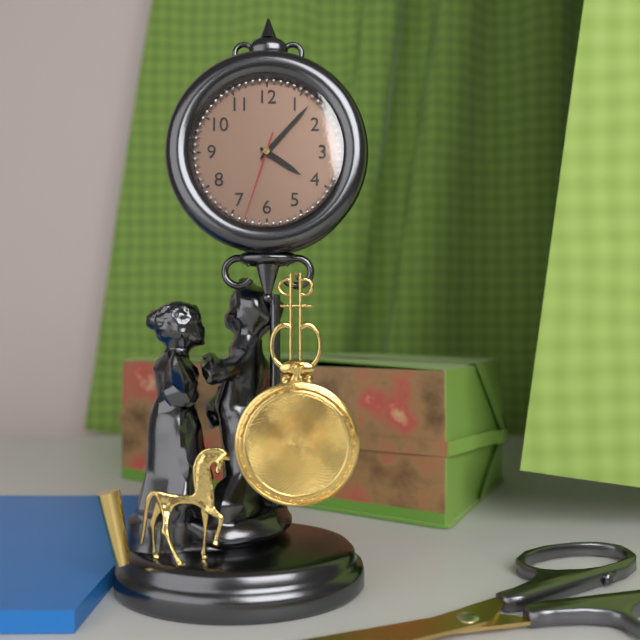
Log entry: 4,07,33
